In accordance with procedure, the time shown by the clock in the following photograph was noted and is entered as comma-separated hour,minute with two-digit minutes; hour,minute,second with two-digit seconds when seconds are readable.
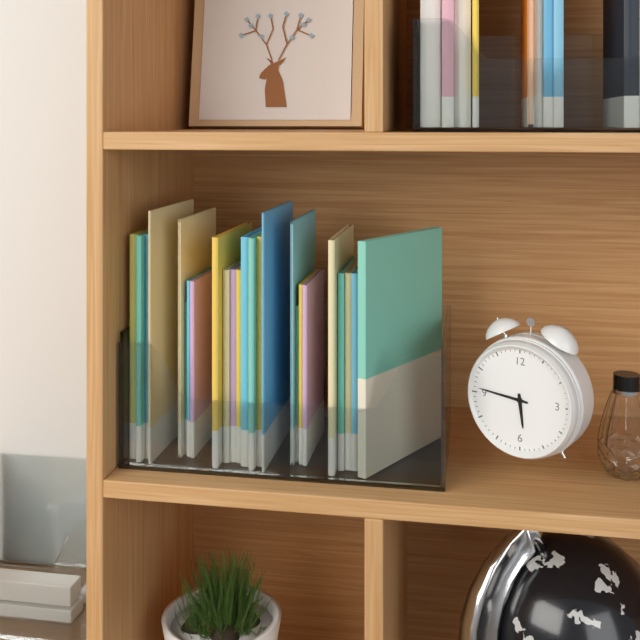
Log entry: 5,46
